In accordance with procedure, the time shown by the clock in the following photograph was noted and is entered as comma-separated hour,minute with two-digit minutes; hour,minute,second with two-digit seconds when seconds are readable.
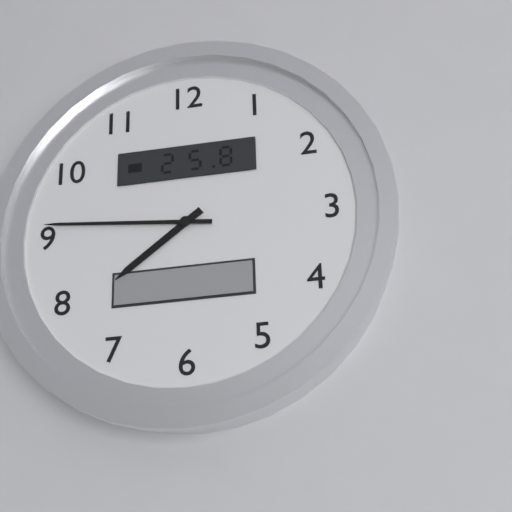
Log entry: 7,46
